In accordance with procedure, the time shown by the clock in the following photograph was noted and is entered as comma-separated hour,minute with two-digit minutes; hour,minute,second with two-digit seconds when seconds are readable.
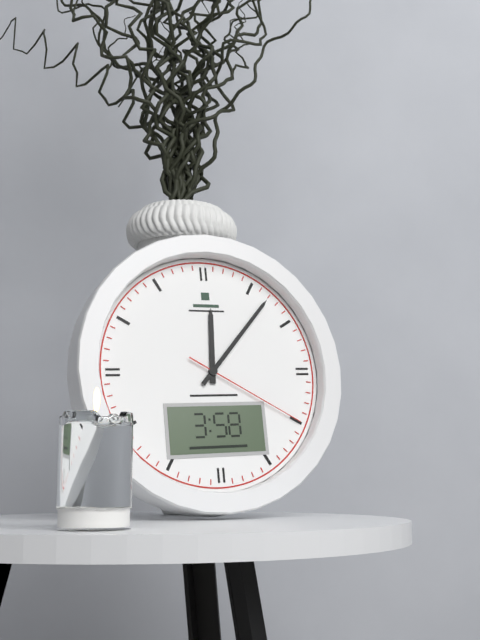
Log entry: 12,07,20
